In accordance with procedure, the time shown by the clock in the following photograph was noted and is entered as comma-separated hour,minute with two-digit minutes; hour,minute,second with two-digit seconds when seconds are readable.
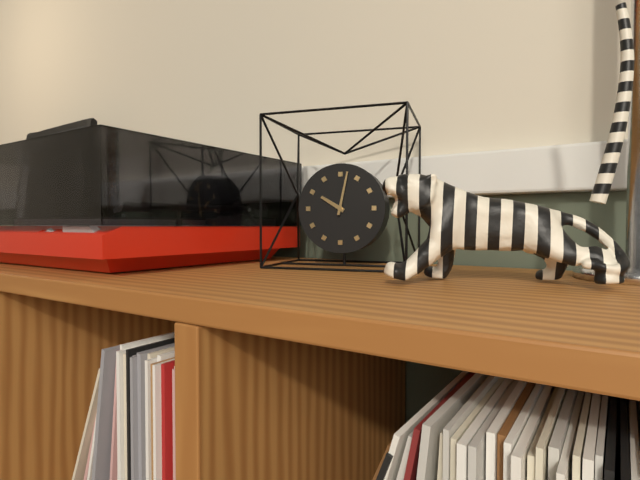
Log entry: 10,02
